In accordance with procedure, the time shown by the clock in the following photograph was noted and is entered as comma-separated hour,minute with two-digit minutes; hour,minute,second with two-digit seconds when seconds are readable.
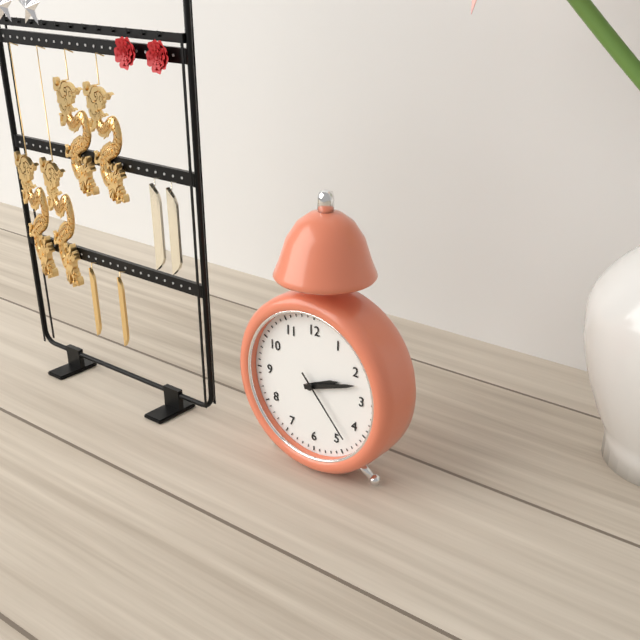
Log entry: 2,12,23
